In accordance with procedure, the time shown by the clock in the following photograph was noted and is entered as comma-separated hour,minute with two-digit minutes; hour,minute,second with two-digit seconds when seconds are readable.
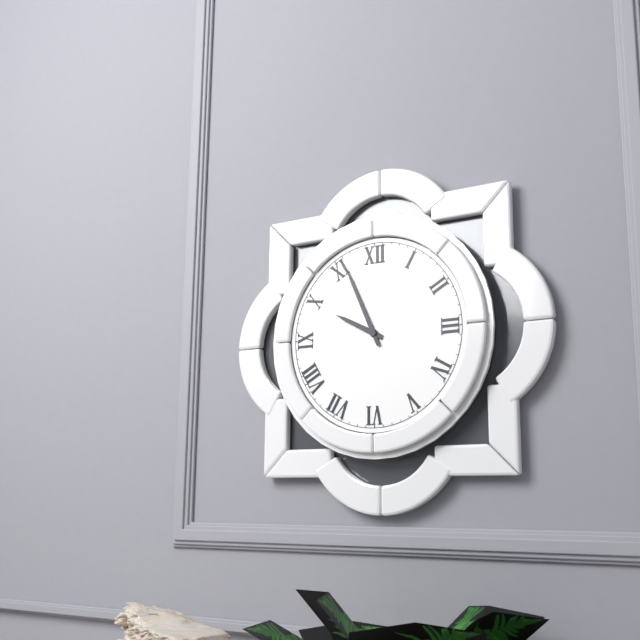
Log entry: 9,56
